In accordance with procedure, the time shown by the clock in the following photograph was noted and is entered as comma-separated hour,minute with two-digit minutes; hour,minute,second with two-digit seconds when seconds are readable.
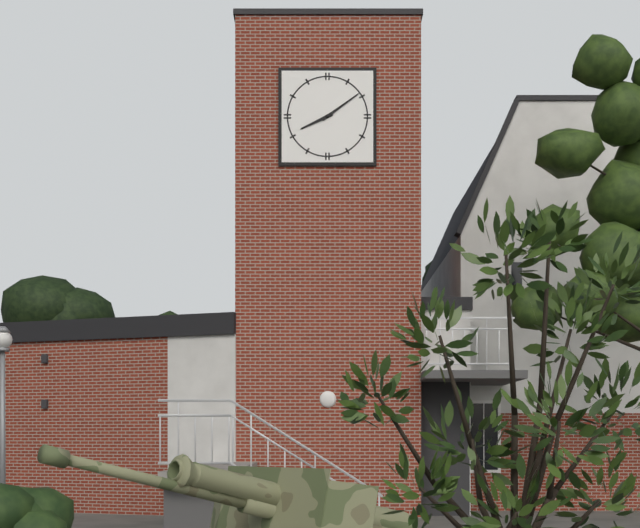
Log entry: 8,09
